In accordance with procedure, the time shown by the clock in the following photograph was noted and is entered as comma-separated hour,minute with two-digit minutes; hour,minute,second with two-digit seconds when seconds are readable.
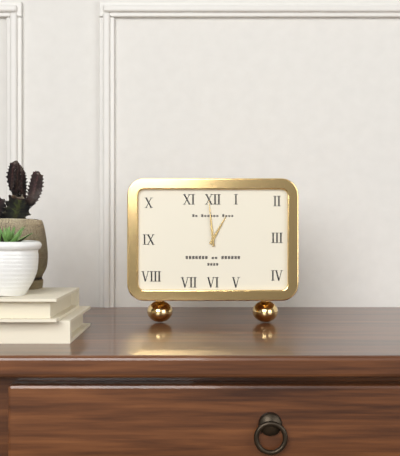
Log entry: 12,59
